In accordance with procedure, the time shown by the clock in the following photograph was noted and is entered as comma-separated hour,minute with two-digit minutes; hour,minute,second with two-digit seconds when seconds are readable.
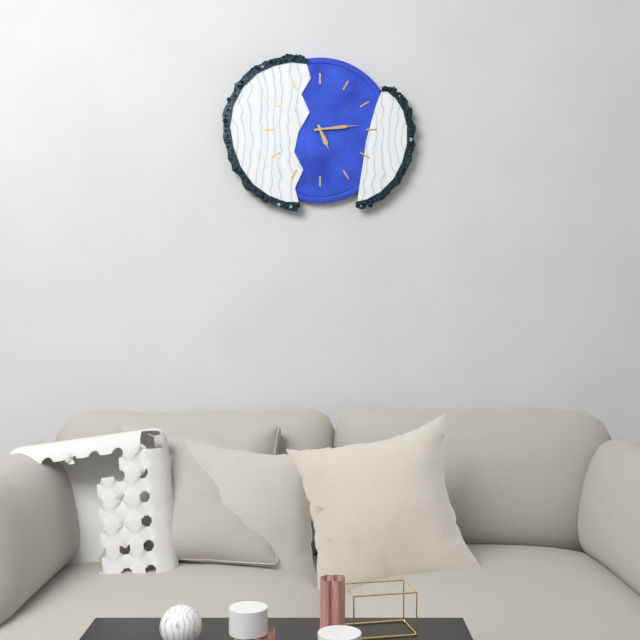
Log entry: 5,14
